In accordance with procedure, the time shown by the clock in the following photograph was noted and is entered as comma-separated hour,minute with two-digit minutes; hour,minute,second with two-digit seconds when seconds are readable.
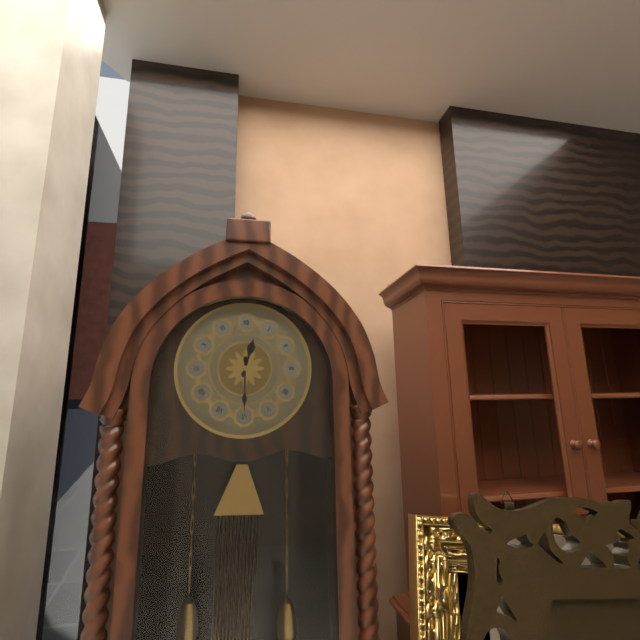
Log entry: 12,30
